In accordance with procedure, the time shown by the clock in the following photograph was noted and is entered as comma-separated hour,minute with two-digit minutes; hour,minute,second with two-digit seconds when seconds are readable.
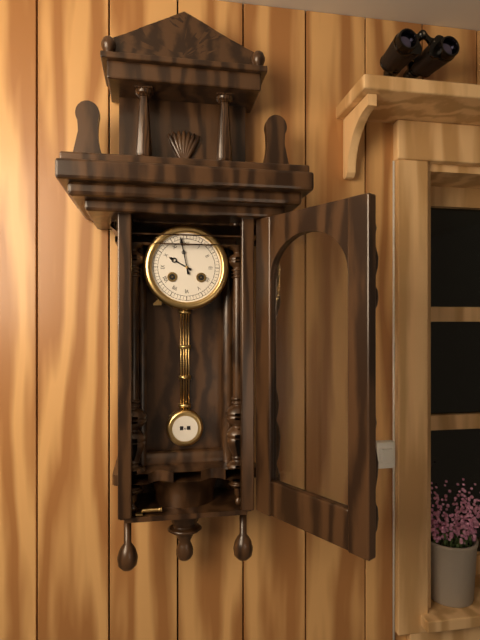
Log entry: 9,58
